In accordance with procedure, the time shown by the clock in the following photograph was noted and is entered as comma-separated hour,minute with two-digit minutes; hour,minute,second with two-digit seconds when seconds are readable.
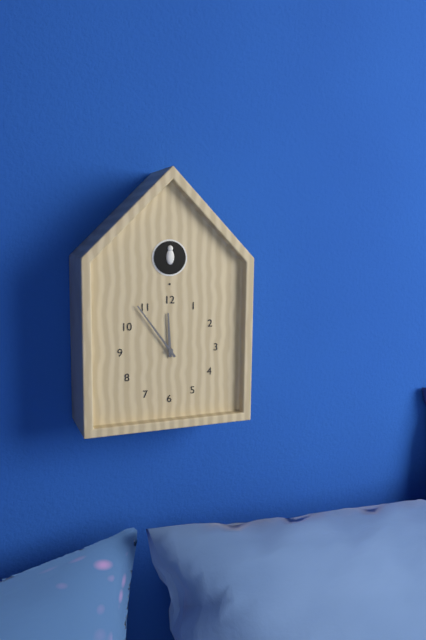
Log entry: 11,54
